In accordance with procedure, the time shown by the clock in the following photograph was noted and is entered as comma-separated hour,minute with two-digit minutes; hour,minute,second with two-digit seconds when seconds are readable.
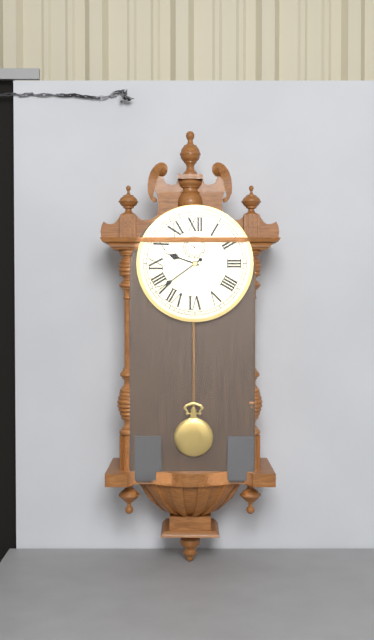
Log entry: 9,39
